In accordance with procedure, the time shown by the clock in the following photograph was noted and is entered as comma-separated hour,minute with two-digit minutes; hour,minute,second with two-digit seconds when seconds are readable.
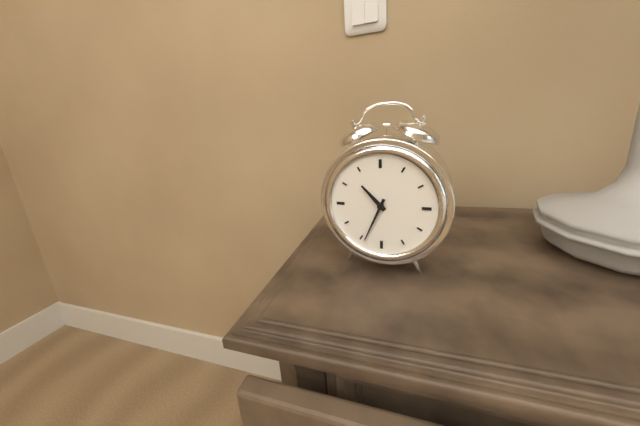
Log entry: 10,34
